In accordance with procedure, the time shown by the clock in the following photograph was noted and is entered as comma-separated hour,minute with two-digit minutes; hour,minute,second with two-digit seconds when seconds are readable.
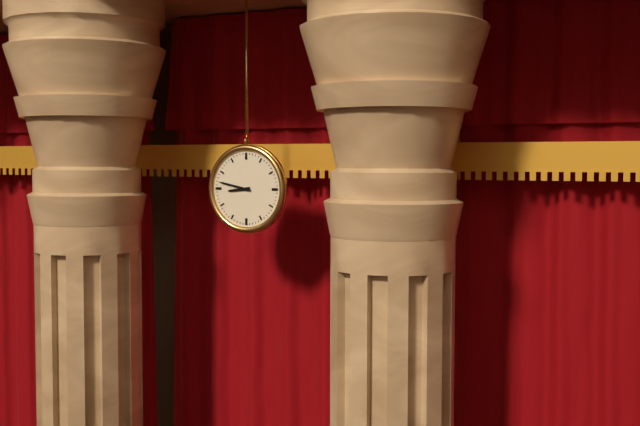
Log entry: 8,47
